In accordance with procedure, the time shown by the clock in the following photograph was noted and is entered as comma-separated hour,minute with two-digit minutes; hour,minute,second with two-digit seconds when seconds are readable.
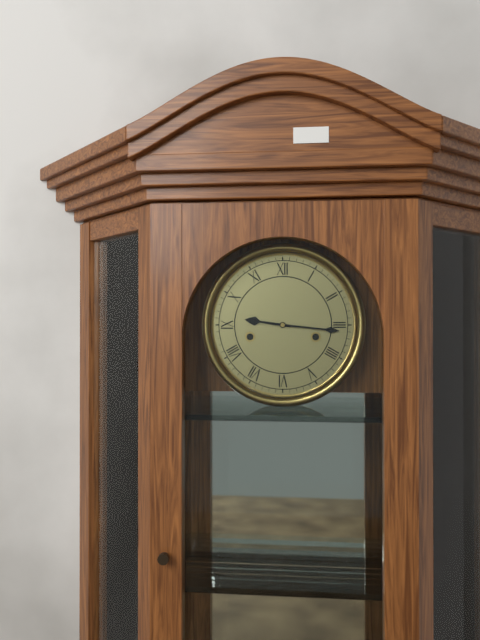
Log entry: 9,16
